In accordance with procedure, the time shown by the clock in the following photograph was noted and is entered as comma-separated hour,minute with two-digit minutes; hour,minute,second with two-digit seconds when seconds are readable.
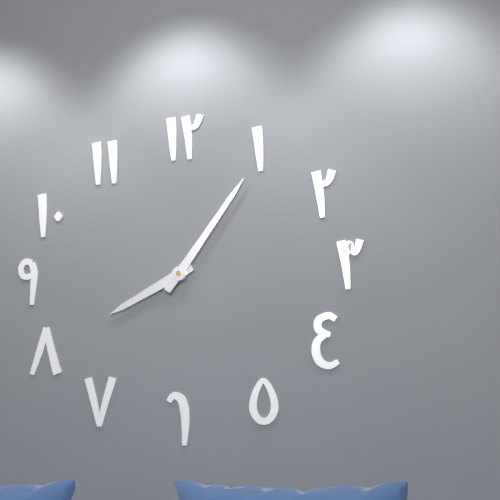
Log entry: 8,06
